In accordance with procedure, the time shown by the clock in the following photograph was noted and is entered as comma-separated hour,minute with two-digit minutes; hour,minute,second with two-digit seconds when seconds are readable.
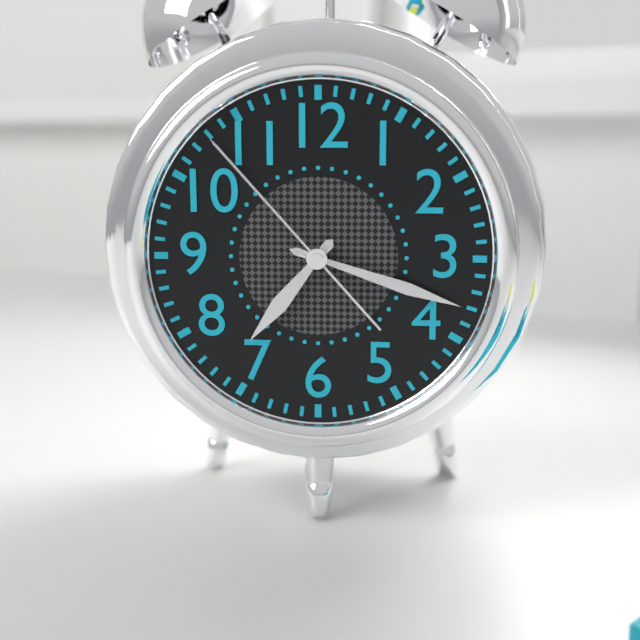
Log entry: 7,18,53
